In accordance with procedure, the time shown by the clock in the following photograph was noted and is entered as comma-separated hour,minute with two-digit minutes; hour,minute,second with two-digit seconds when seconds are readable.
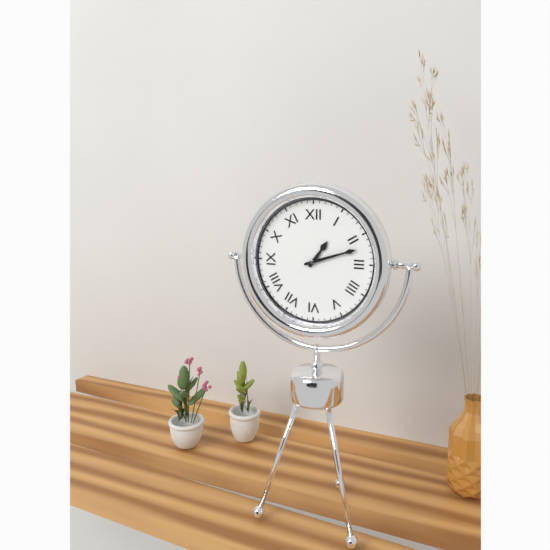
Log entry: 1,12
